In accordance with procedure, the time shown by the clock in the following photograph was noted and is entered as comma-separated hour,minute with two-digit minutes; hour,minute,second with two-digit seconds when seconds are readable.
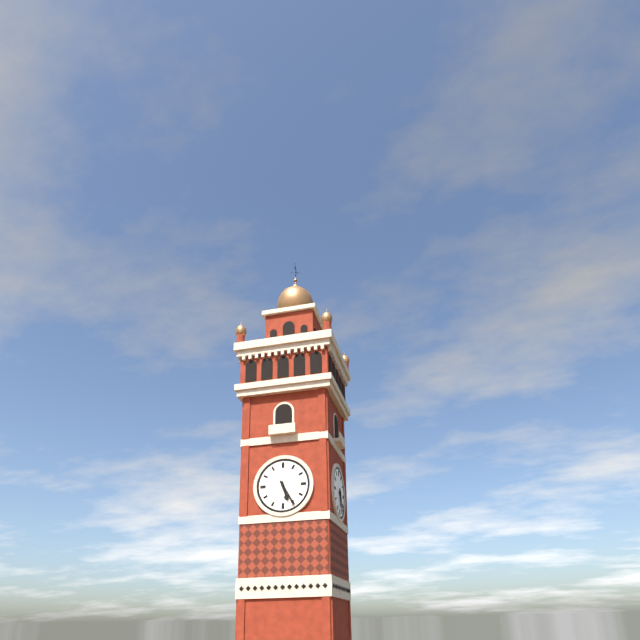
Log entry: 5,25
